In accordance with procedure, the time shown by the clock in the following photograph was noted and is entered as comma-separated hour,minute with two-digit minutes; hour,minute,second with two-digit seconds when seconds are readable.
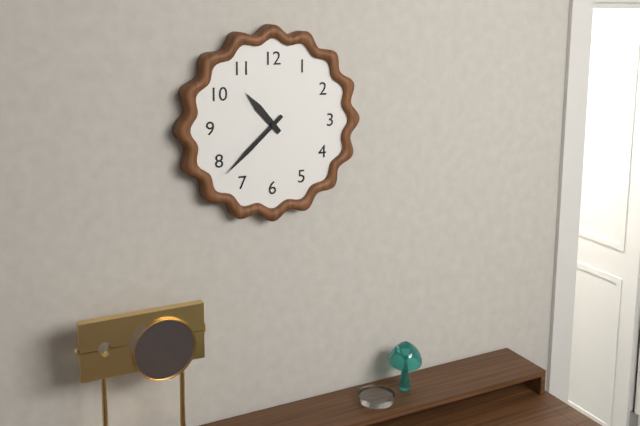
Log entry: 10,38
